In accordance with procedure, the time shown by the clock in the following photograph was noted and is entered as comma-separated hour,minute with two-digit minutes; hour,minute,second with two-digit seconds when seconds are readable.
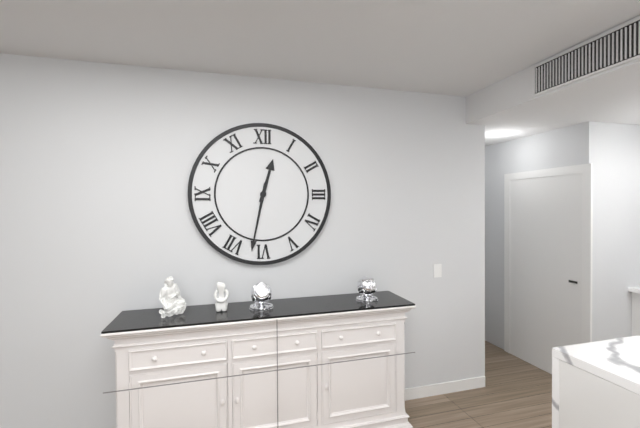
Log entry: 12,32
